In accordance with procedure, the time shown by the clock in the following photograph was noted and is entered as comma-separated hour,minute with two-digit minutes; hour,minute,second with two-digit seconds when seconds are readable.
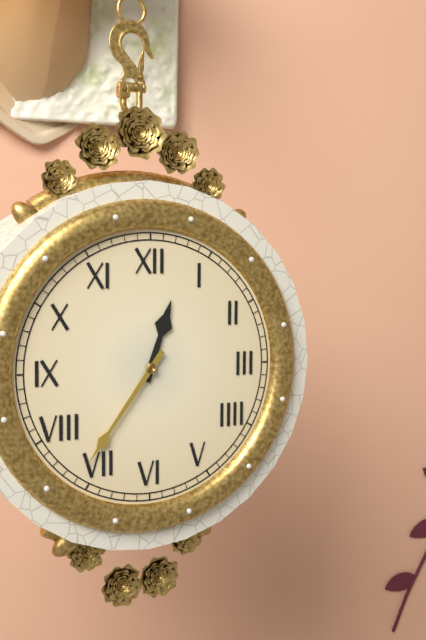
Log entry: 12,36
